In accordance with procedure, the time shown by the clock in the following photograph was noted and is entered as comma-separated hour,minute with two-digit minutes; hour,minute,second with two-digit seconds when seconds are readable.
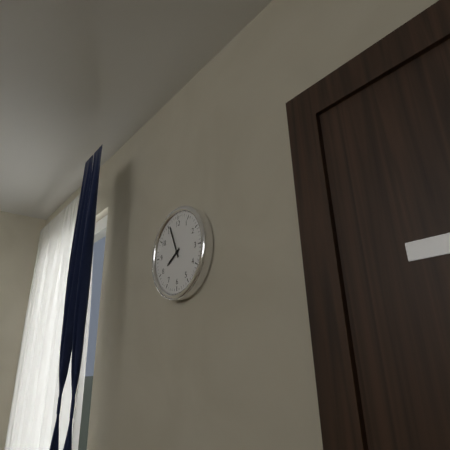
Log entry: 7,56
